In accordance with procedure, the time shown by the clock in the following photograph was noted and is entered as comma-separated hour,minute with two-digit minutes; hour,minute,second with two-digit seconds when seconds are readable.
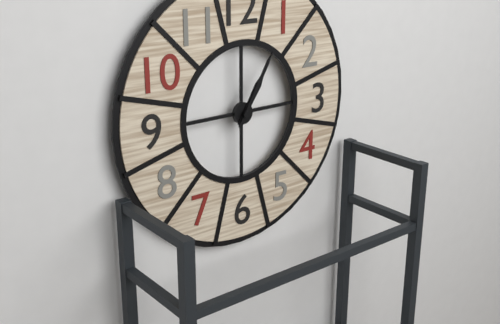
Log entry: 1,05
